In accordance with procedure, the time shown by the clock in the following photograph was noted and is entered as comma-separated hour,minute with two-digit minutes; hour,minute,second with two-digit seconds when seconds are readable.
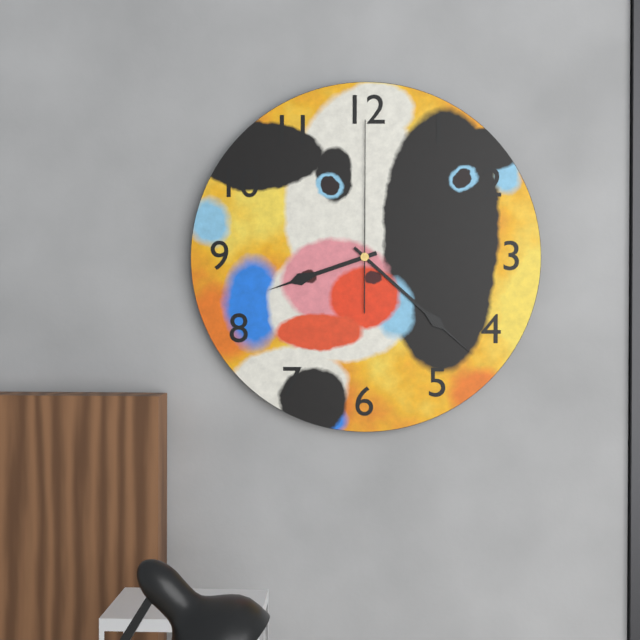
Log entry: 8,22,00
